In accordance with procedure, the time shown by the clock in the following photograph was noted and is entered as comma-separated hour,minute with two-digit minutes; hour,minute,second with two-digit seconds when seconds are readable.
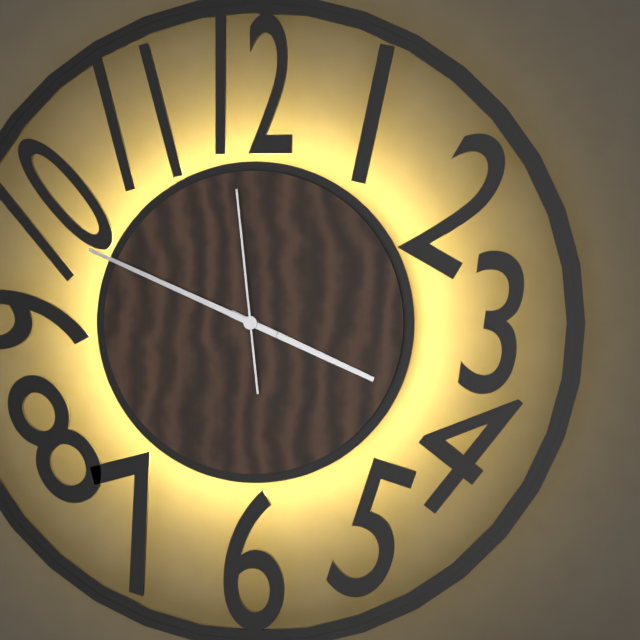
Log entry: 3,49,59
